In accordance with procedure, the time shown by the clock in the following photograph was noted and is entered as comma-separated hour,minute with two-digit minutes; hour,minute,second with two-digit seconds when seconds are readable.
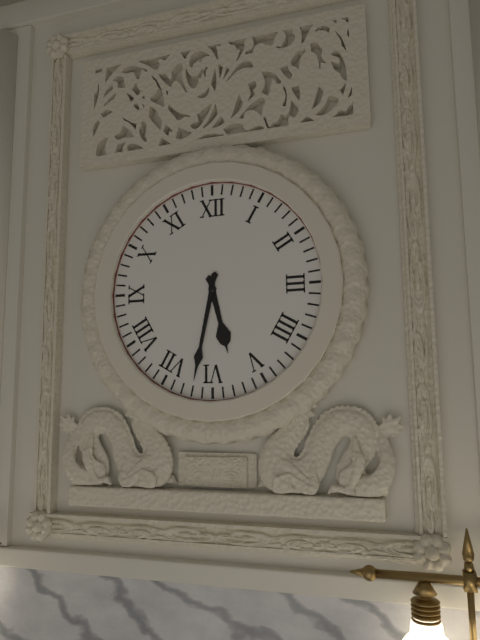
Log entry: 5,32
